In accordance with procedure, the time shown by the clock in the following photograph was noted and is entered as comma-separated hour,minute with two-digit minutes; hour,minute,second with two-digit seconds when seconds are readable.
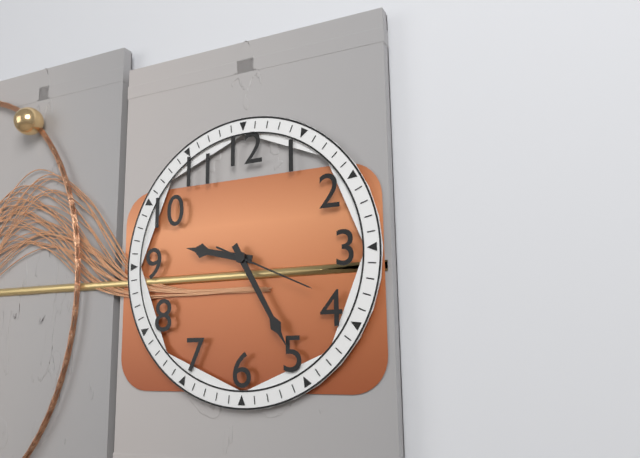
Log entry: 9,25,19
